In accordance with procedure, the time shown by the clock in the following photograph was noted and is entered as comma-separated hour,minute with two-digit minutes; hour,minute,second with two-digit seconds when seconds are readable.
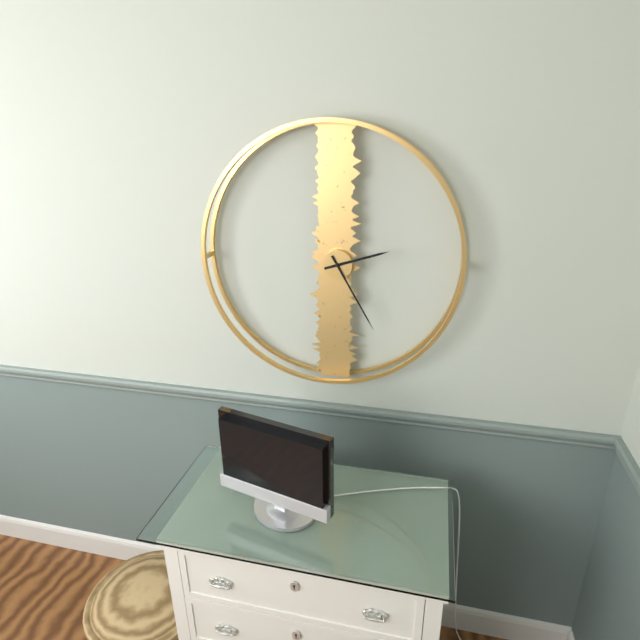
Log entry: 2,25
